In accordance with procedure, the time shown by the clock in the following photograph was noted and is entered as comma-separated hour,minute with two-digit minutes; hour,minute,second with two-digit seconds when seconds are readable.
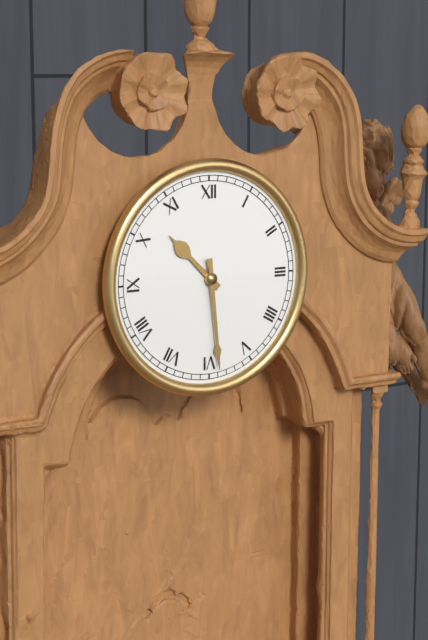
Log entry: 10,29
